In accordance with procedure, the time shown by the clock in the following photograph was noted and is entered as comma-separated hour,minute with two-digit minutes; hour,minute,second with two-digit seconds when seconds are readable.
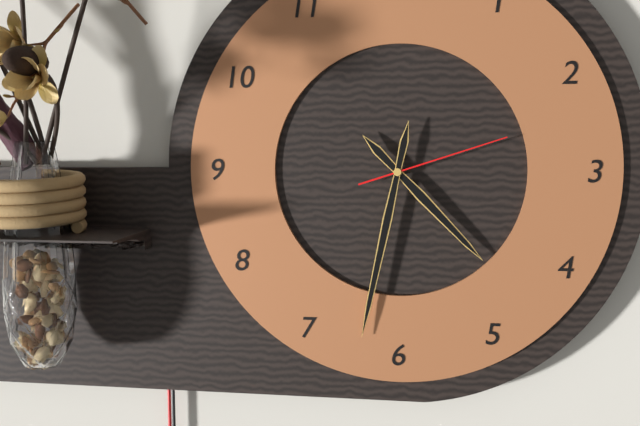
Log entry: 4,32,12
